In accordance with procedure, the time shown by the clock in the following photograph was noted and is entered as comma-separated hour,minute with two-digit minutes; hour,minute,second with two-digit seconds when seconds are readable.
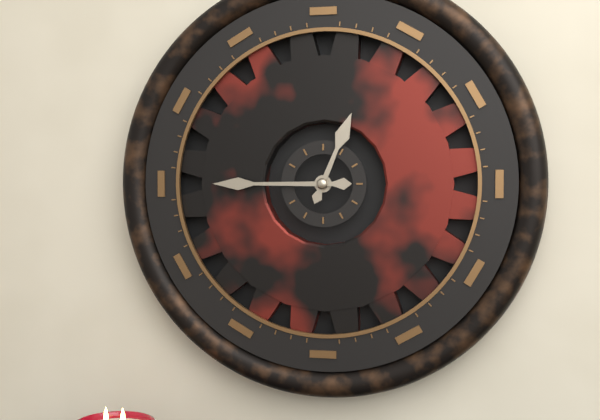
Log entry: 12,45
